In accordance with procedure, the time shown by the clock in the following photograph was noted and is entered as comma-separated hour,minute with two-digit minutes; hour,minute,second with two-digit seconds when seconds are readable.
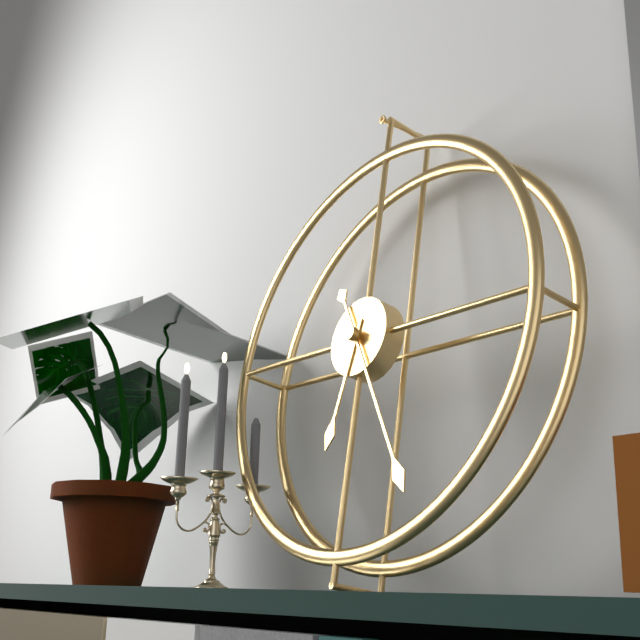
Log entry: 6,25
